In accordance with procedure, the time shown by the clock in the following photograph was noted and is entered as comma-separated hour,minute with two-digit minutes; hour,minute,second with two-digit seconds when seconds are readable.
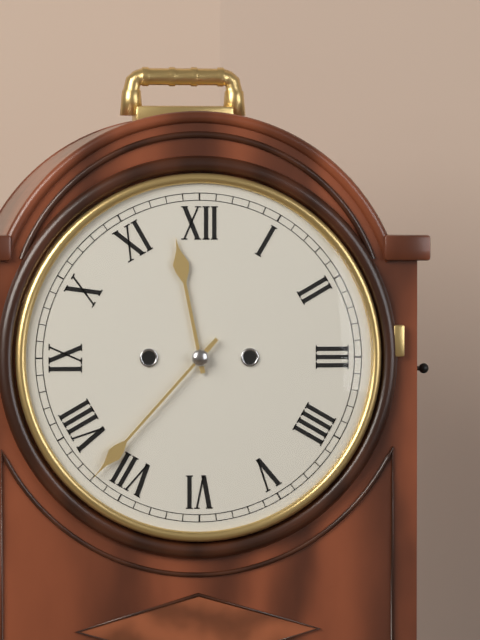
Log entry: 11,37
